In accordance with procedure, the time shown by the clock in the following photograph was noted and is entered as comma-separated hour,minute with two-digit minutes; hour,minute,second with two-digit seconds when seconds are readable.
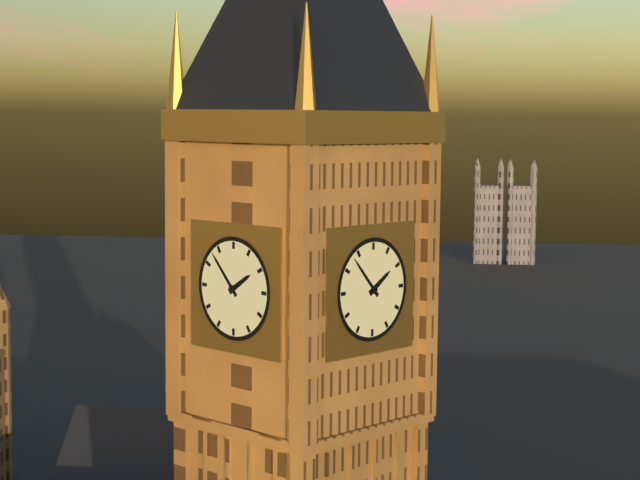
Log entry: 1,53
